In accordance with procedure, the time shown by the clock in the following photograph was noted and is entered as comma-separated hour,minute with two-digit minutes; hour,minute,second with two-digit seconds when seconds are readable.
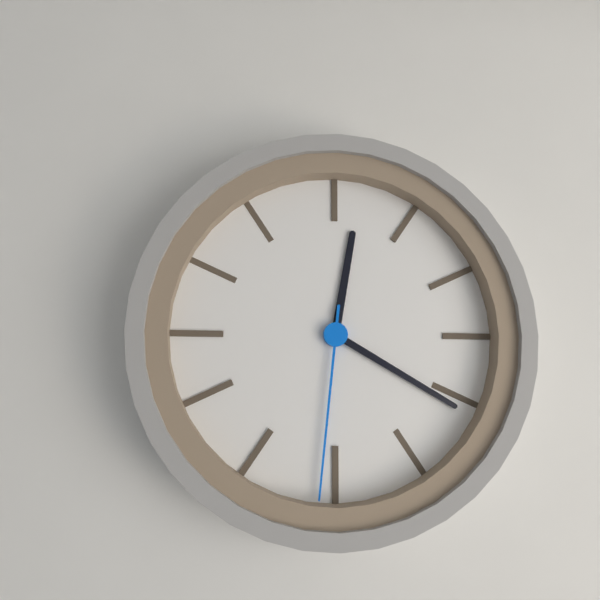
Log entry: 12,20,31
